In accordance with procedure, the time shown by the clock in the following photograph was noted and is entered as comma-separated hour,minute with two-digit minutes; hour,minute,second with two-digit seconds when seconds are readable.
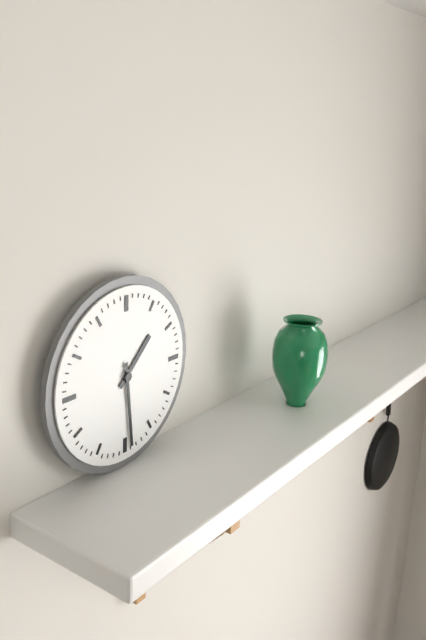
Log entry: 1,29
